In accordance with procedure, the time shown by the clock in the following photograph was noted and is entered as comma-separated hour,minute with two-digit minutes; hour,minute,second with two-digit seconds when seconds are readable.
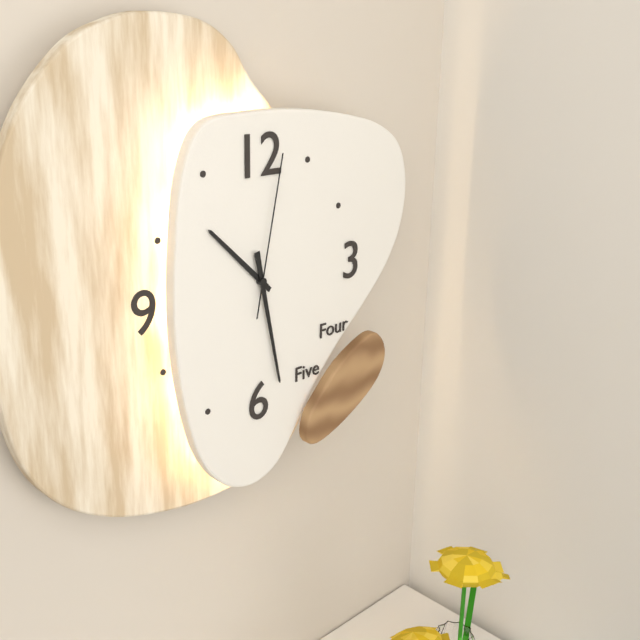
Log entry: 10,28,02
